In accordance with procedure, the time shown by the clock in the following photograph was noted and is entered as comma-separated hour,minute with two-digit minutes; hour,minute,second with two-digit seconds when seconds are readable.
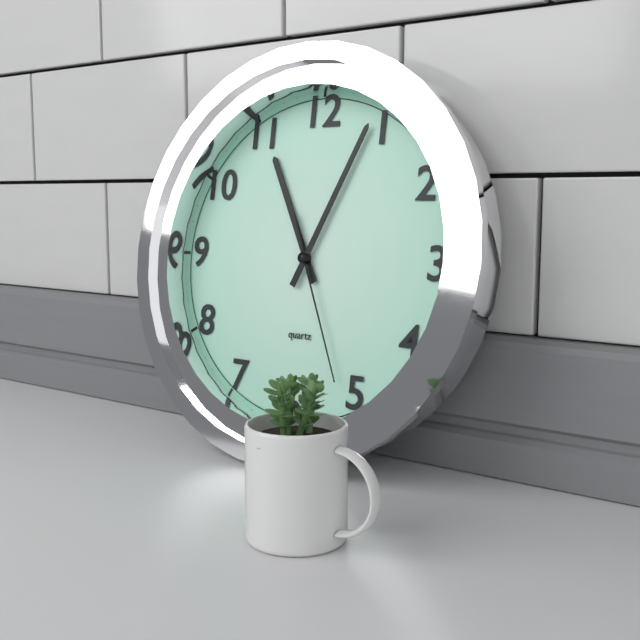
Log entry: 11,04,26
